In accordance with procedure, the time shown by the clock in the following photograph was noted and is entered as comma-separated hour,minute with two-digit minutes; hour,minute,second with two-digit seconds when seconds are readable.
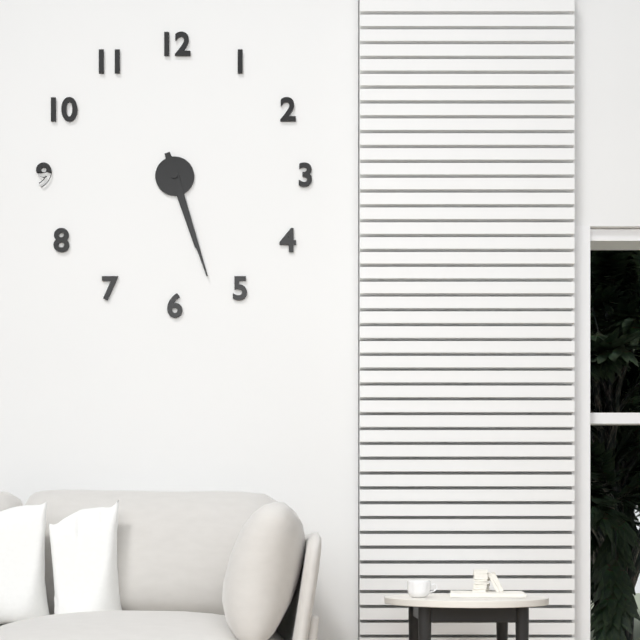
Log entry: 5,27
